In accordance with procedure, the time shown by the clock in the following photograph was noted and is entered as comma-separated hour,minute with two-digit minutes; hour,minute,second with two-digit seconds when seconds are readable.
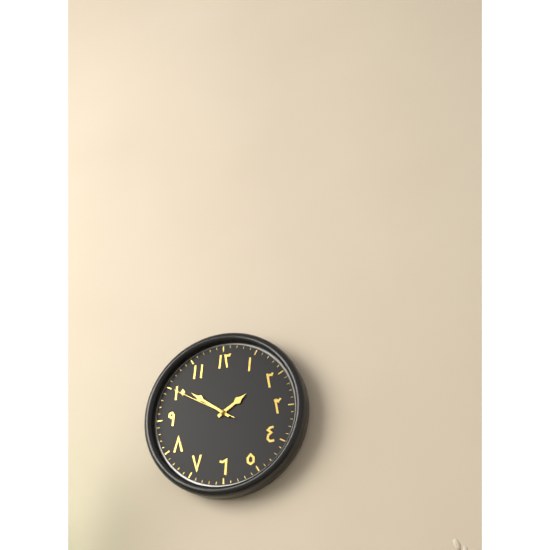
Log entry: 1,51,50
